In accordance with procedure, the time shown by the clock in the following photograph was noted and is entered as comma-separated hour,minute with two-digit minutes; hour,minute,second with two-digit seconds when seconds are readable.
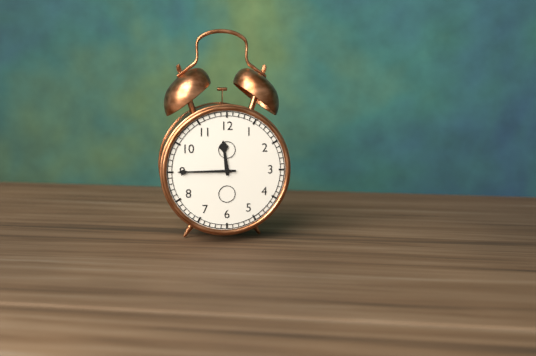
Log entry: 11,45
